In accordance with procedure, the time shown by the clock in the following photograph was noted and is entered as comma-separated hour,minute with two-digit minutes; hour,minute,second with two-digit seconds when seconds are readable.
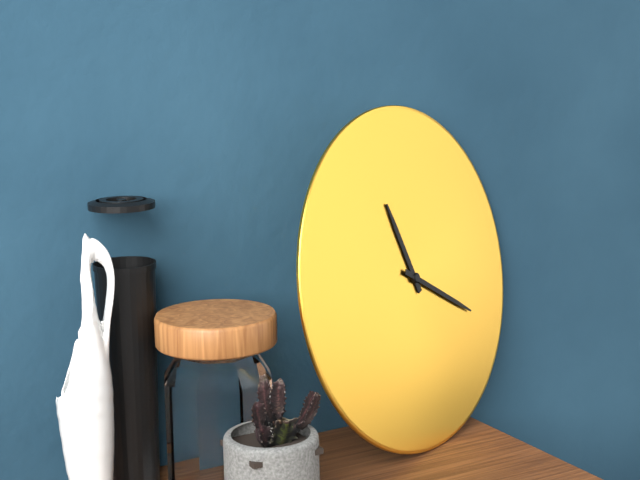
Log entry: 11,20
